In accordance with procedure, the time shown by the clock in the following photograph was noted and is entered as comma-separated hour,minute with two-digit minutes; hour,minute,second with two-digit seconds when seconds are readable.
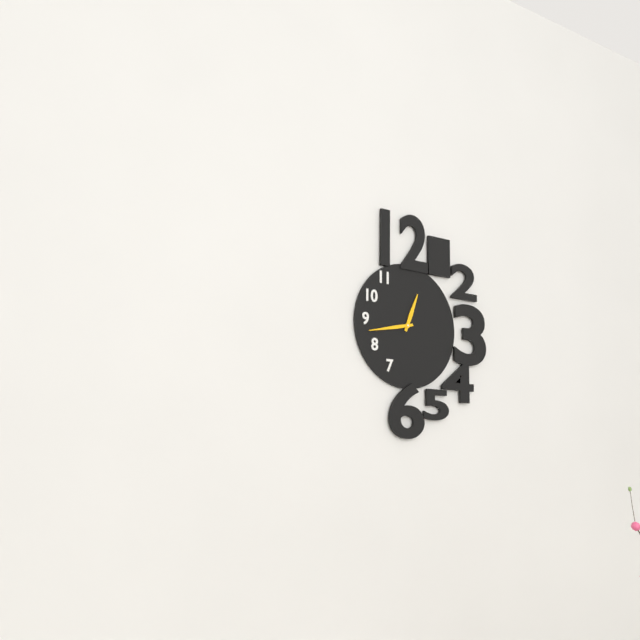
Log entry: 12,43
